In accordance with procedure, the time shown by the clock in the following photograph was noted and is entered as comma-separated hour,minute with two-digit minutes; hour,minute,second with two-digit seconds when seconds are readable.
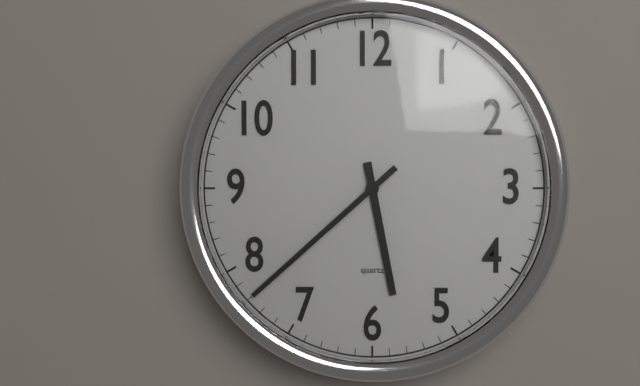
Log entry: 5,38
